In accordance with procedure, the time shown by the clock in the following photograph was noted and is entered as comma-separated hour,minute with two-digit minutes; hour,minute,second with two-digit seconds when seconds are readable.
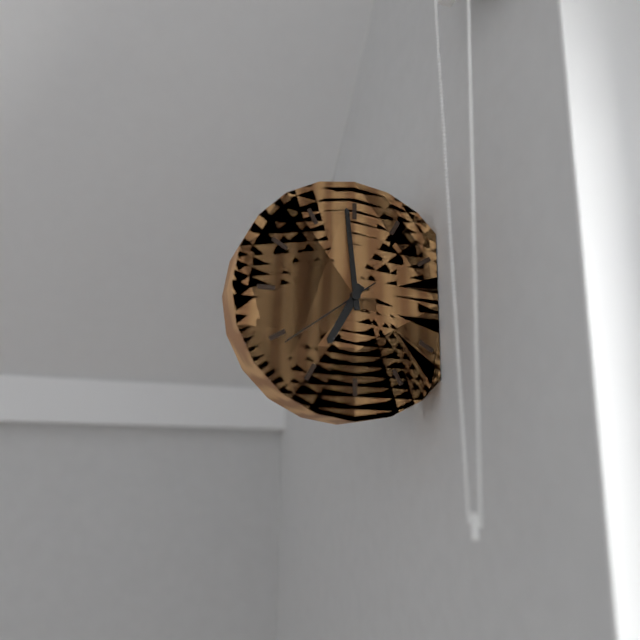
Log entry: 6,59,39
